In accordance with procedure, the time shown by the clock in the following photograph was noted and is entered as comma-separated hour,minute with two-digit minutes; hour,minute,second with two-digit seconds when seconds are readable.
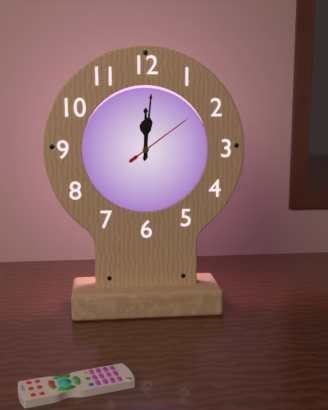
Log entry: 12,01,09
